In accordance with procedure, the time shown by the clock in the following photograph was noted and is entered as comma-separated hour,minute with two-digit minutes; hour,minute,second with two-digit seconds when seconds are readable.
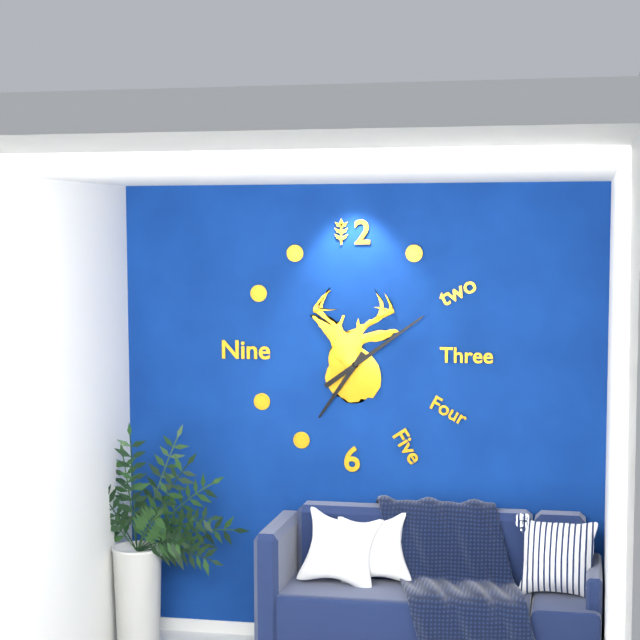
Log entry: 7,09
